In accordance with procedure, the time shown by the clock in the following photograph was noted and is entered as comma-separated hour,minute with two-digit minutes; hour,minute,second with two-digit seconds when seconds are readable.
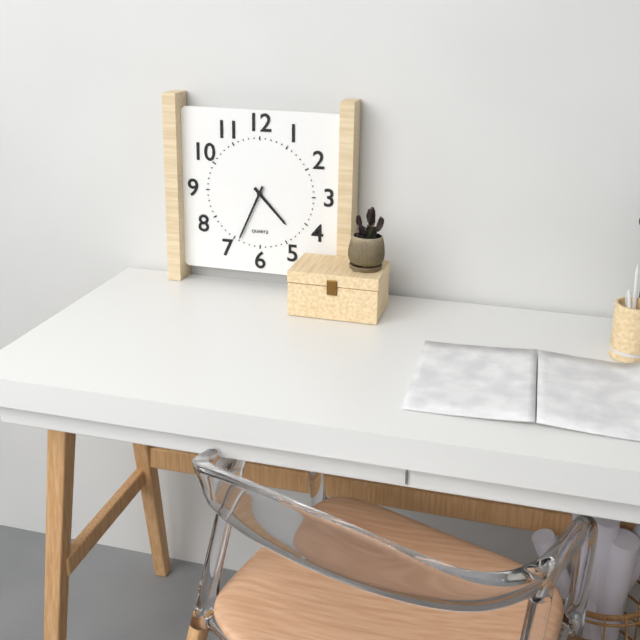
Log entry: 4,34
